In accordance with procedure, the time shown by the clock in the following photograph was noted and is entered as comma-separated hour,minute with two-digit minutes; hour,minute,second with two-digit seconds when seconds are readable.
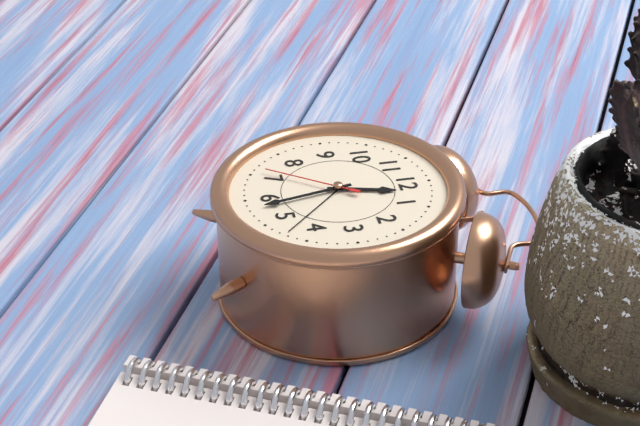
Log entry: 12,28,36
